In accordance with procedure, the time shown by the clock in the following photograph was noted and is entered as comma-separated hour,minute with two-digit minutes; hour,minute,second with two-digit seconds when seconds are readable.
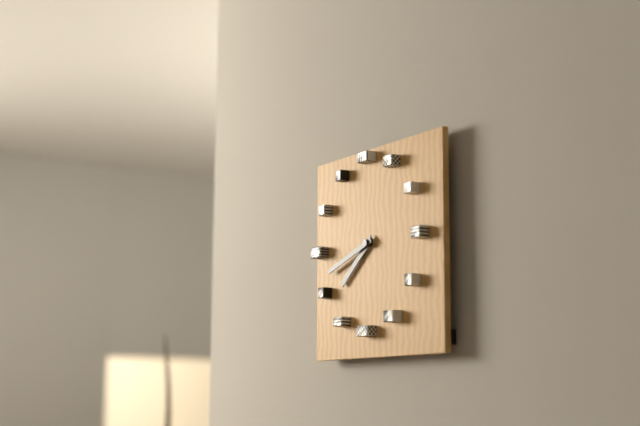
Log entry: 7,42
